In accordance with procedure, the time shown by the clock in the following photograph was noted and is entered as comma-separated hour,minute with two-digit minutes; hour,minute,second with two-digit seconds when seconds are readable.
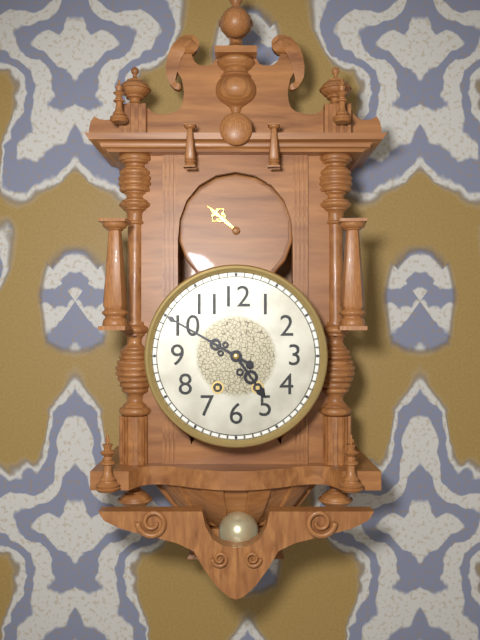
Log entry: 4,50
